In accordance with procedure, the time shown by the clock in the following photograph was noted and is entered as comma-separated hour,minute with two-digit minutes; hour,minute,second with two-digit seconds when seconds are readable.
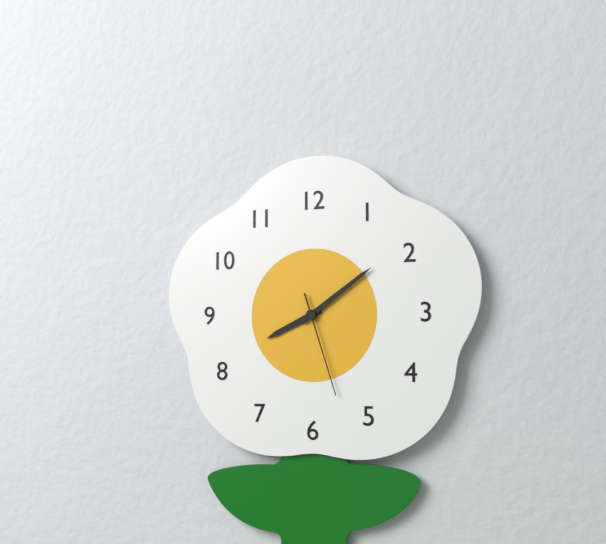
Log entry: 8,09,27
